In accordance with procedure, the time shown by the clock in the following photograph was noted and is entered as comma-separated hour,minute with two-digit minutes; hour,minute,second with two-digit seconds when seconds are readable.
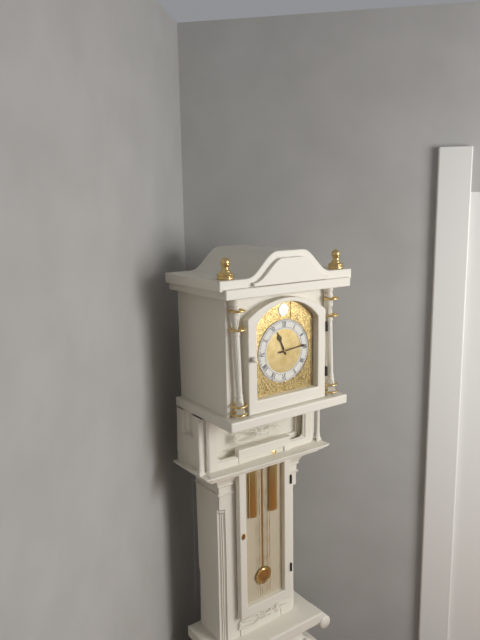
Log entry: 11,14
